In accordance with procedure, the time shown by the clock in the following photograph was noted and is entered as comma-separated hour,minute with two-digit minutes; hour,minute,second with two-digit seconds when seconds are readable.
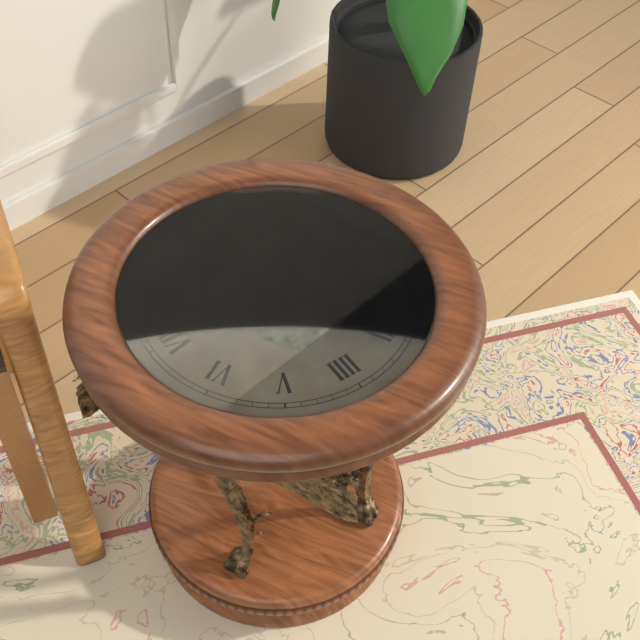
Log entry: 9,01
